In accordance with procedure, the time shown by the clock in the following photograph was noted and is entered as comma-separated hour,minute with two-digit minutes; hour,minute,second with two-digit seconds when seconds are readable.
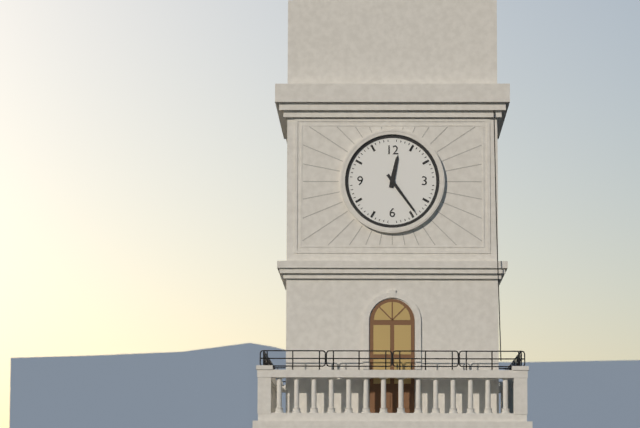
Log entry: 12,24
